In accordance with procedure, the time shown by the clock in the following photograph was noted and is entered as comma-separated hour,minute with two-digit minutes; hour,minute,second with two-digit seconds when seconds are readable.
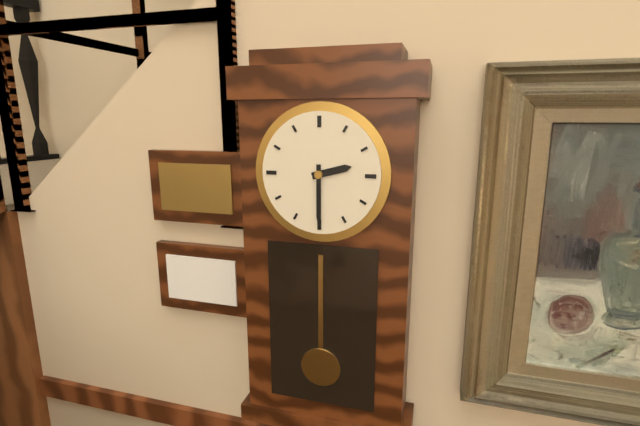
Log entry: 2,30
